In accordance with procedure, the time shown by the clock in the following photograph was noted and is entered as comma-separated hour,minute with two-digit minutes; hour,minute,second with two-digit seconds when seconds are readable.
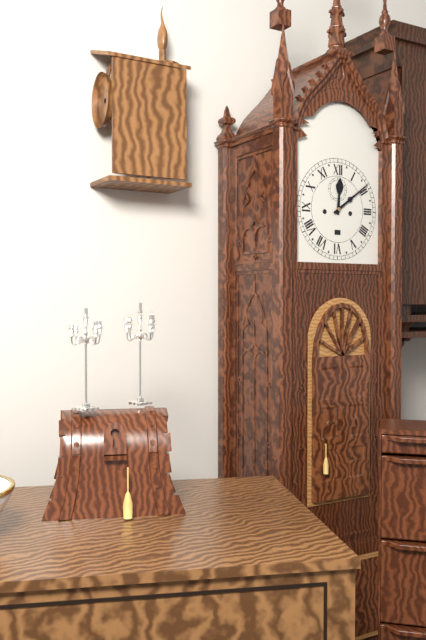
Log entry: 12,09
